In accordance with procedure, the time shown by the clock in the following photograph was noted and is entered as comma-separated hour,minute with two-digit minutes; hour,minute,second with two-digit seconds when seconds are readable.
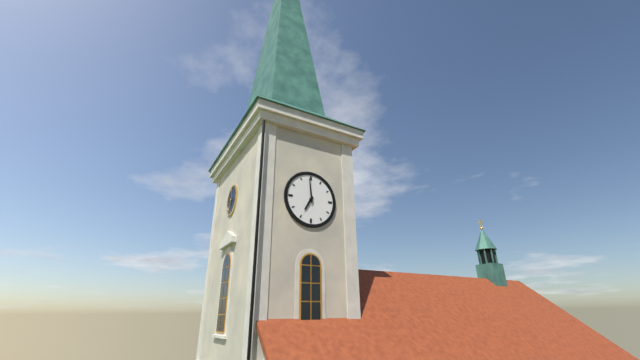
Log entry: 6,59
